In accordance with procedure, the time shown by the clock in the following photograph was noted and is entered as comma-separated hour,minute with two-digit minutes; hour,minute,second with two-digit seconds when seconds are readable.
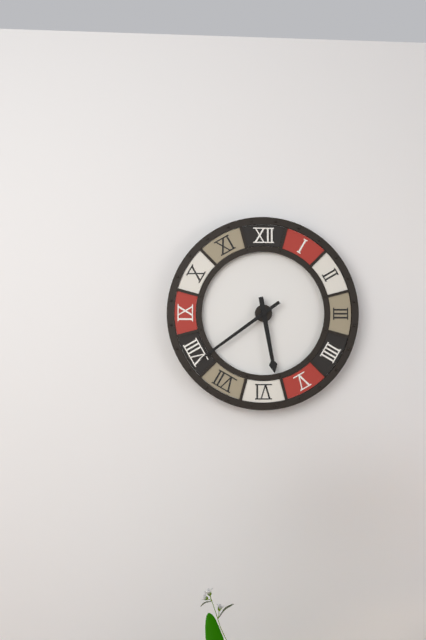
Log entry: 5,39
